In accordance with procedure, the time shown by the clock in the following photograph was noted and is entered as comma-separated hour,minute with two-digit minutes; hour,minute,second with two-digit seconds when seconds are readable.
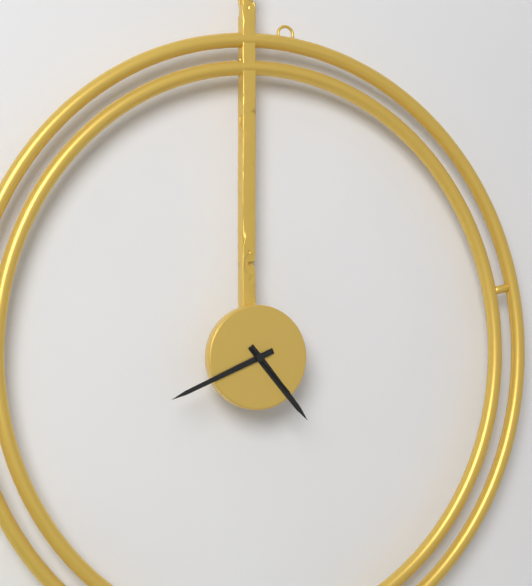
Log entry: 4,41,23
